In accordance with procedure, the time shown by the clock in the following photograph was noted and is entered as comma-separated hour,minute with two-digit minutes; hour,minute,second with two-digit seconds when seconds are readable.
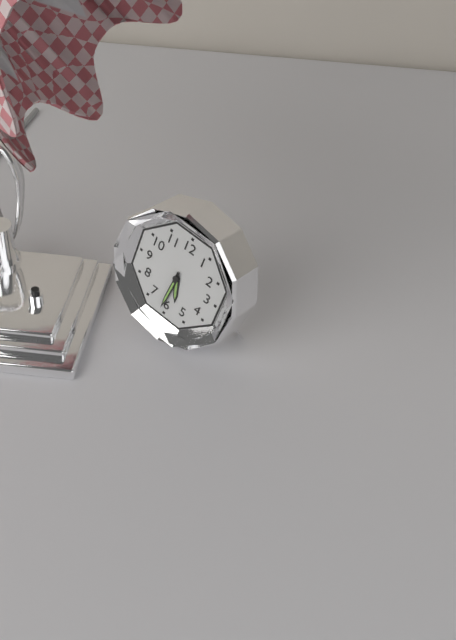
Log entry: 5,31
